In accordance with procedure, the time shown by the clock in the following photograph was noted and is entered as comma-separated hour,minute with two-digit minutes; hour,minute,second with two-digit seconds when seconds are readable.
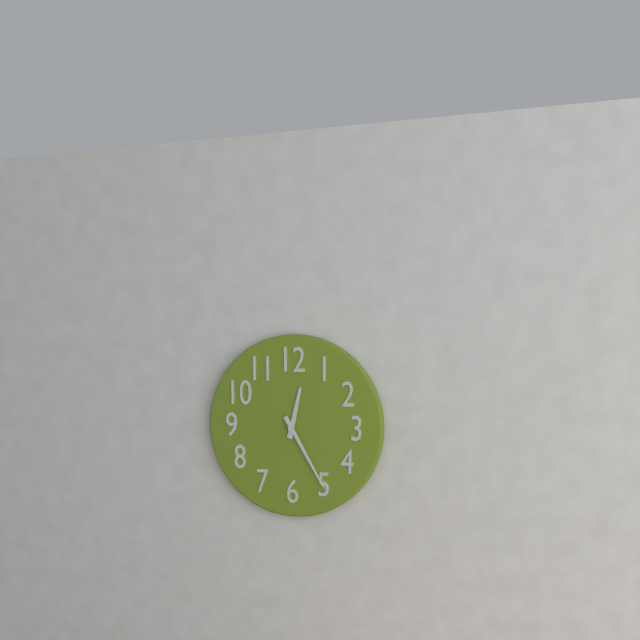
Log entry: 12,25
